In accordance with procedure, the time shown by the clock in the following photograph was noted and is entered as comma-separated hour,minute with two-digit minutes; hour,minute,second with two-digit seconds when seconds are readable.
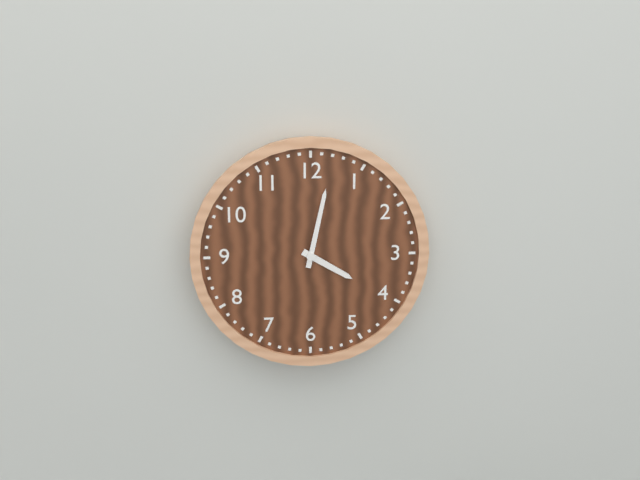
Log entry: 4,02
